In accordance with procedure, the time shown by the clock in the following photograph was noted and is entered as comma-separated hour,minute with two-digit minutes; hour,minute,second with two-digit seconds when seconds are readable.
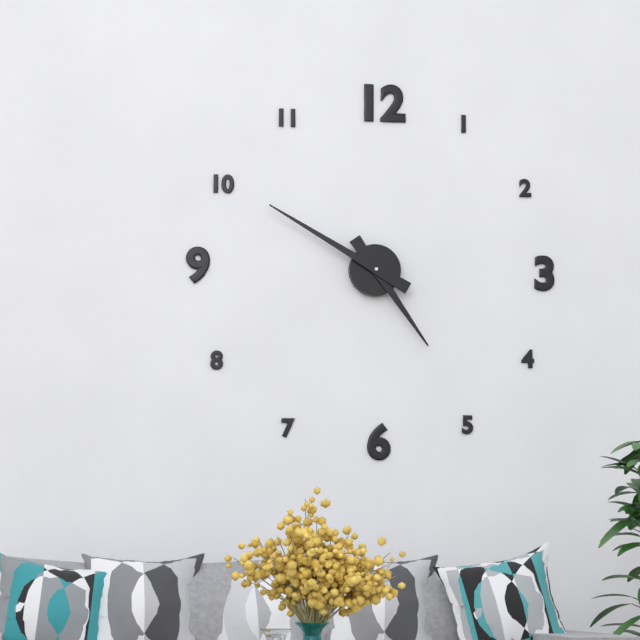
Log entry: 4,50
